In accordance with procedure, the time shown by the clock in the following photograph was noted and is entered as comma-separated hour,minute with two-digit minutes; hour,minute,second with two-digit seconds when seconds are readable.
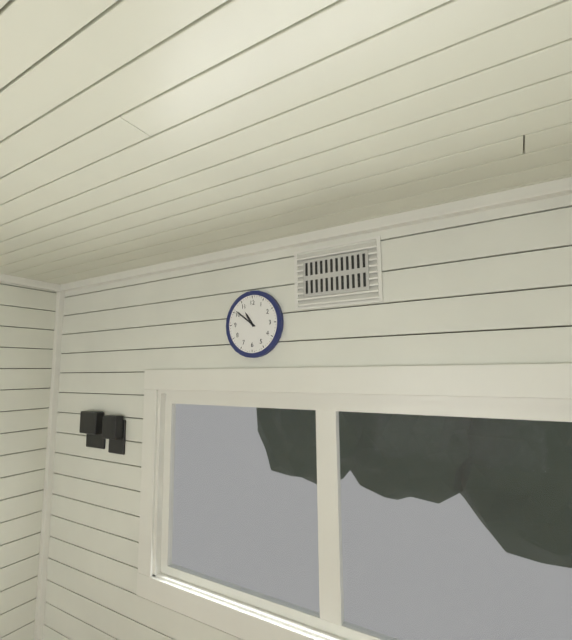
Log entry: 10,51
